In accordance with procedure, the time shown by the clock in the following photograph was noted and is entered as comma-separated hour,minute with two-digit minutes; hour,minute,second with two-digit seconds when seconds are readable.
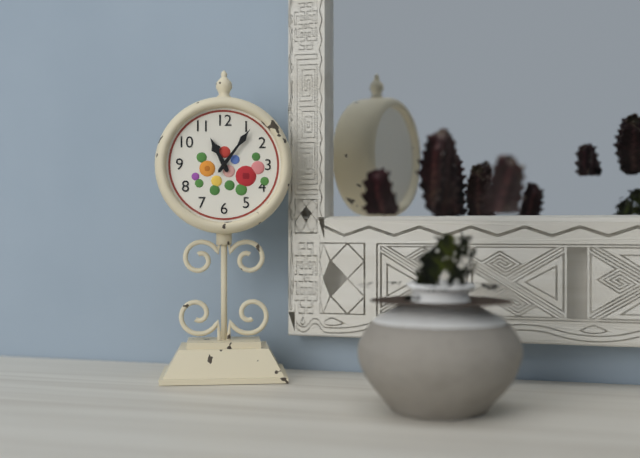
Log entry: 11,06
